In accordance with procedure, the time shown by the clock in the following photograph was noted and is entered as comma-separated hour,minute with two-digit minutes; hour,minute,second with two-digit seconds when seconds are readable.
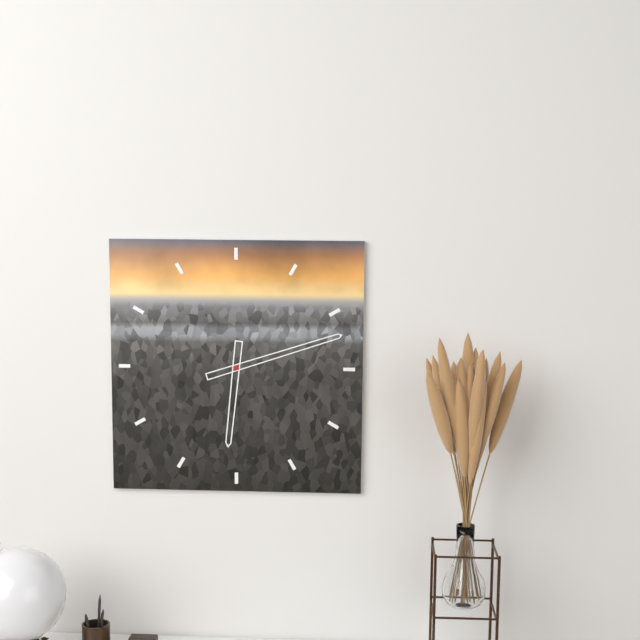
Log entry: 6,12
